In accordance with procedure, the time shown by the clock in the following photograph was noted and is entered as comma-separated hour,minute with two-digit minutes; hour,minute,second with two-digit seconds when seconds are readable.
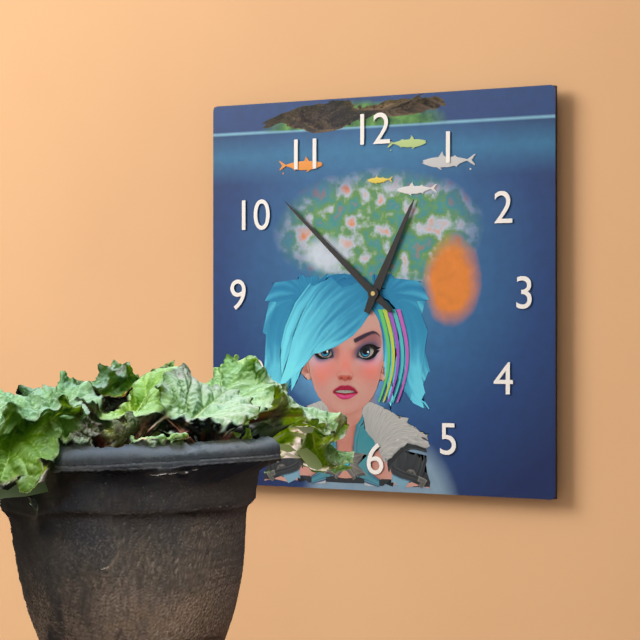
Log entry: 12,52
